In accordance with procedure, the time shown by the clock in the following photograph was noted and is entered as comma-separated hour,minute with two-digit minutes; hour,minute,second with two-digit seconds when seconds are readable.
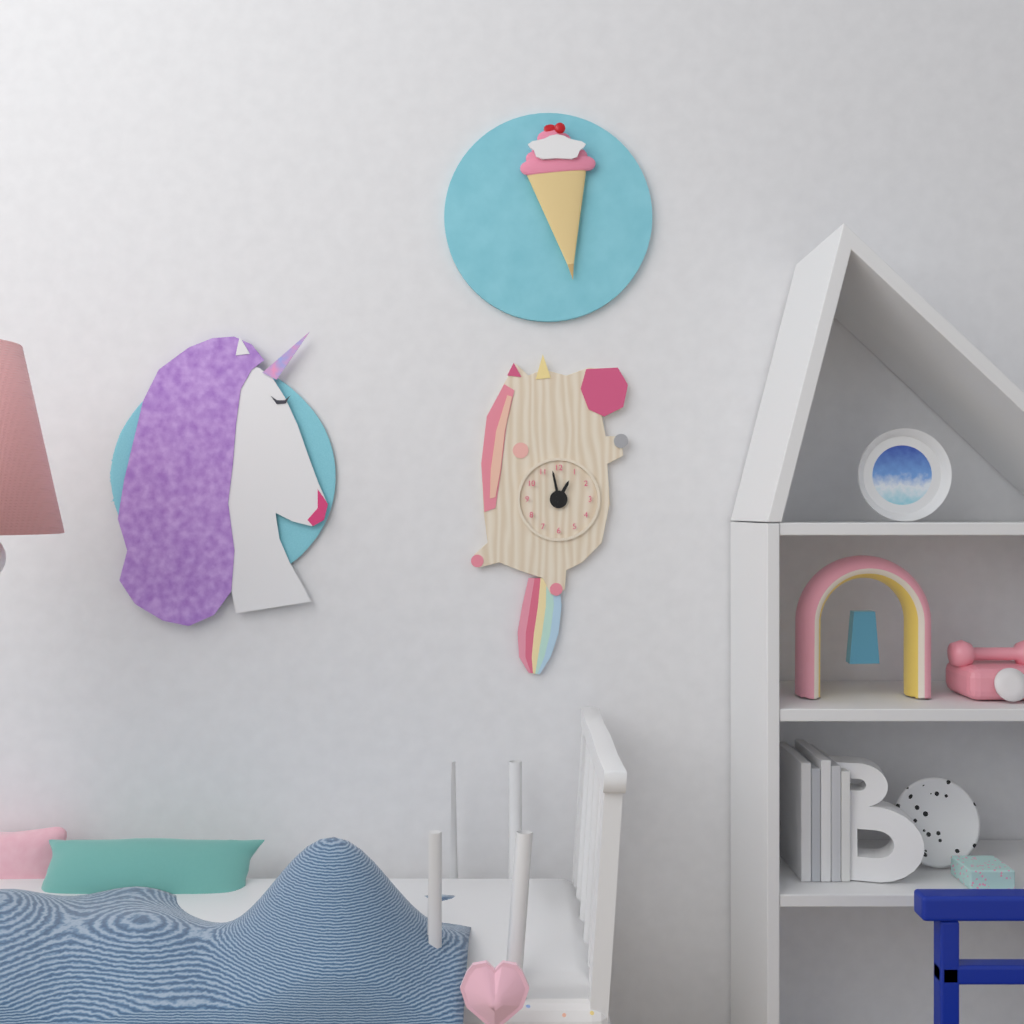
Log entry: 12,58
